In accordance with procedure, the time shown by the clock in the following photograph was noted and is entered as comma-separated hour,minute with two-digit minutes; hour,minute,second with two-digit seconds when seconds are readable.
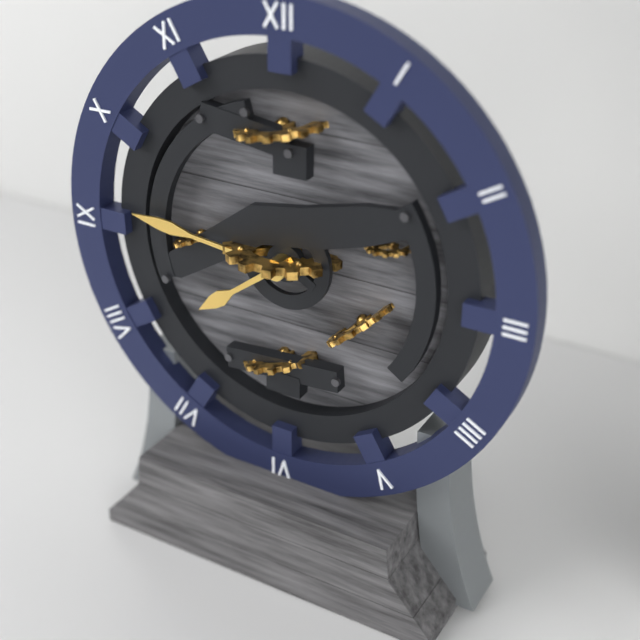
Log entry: 7,46
